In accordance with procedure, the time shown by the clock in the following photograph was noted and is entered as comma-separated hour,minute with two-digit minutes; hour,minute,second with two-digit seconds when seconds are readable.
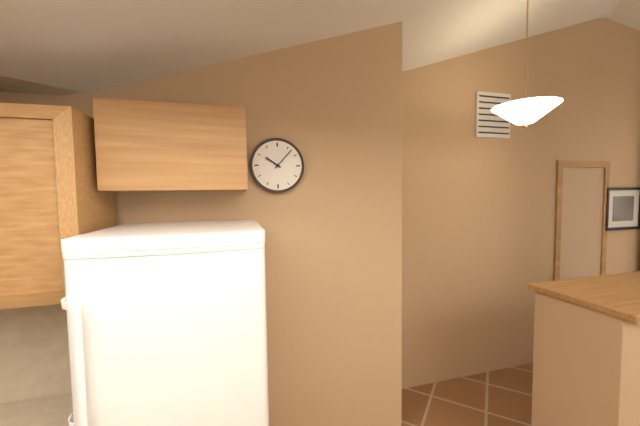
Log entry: 10,07
